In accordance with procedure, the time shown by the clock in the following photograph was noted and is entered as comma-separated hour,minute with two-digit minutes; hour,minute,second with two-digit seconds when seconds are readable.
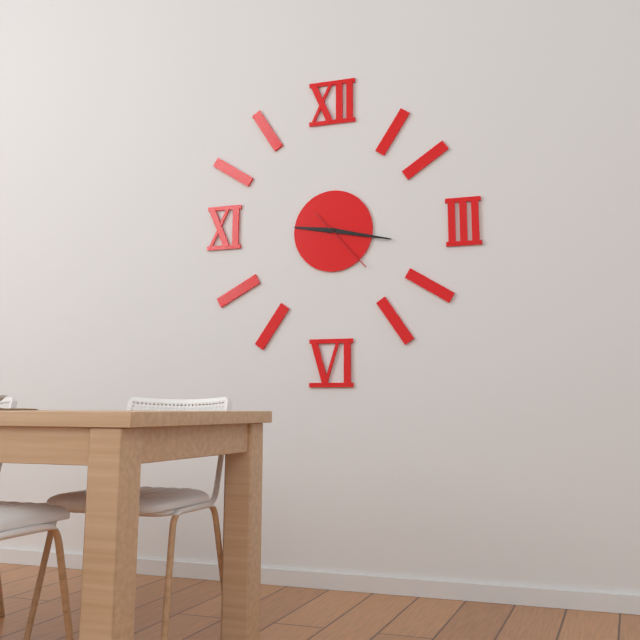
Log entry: 9,17,23
